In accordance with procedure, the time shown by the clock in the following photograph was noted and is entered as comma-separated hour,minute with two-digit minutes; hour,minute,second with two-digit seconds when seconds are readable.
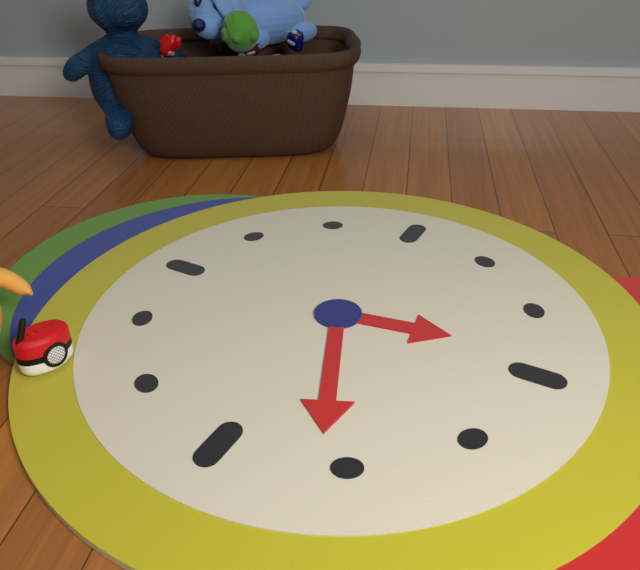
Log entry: 5,41
